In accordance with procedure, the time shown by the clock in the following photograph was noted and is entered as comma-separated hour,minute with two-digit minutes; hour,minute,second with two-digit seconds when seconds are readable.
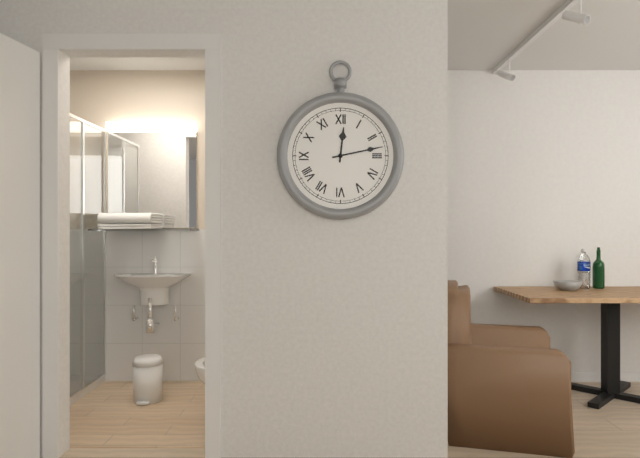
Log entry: 12,13
